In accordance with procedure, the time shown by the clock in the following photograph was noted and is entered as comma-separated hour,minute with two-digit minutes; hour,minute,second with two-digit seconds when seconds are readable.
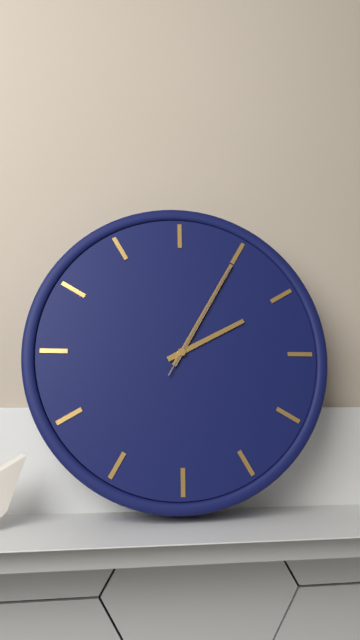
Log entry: 2,05,05
